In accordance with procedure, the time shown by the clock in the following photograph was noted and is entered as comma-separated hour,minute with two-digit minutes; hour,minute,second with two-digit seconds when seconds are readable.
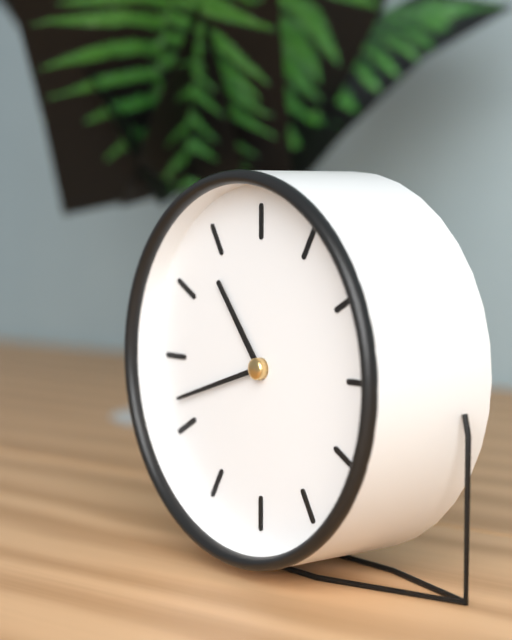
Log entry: 10,42
